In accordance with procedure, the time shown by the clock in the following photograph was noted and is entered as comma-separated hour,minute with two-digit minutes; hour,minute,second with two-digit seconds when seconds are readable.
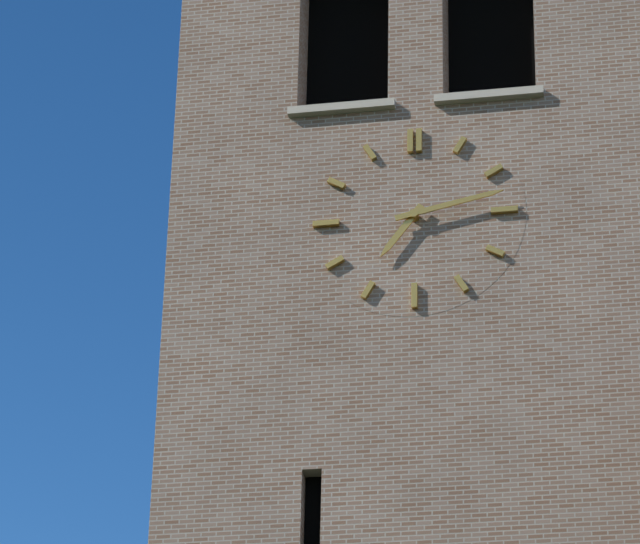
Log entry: 7,13
